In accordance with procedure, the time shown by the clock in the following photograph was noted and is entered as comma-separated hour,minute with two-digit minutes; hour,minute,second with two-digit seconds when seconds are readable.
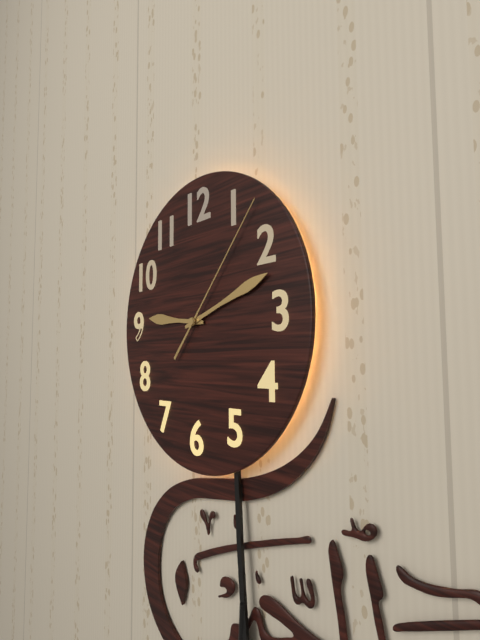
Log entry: 9,12,07
